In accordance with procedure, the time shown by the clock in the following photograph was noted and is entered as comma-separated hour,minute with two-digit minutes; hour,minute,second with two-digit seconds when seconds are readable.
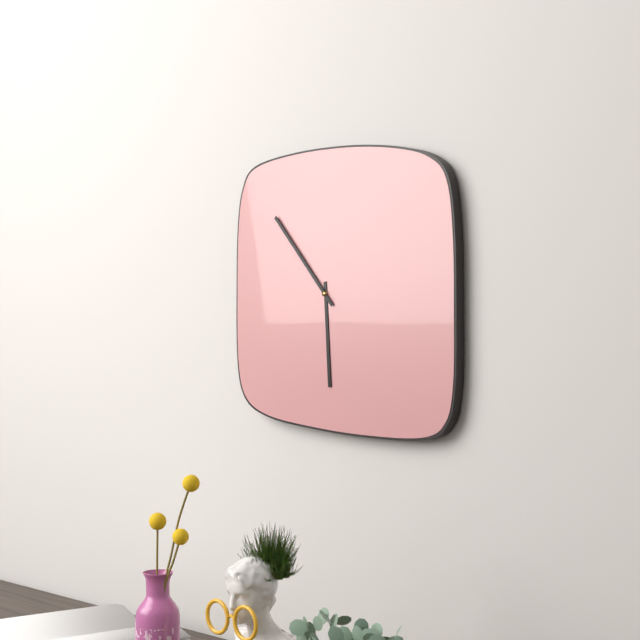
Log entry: 5,53
